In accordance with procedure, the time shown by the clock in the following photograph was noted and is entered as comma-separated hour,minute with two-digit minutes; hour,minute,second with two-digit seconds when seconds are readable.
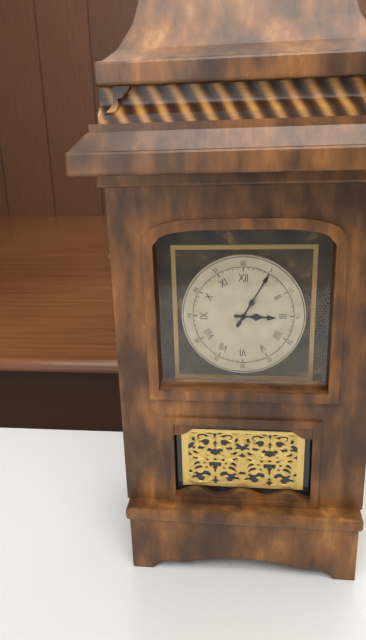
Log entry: 3,05
